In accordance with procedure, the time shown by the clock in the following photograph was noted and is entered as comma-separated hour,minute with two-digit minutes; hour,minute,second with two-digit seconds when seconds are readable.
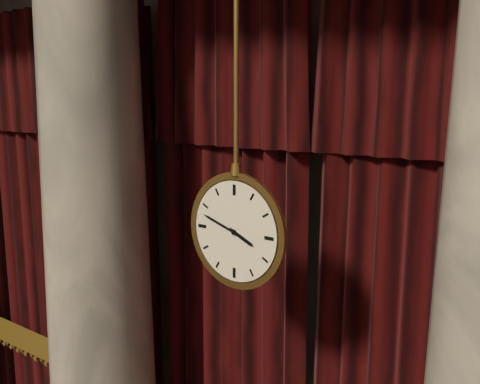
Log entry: 3,48
